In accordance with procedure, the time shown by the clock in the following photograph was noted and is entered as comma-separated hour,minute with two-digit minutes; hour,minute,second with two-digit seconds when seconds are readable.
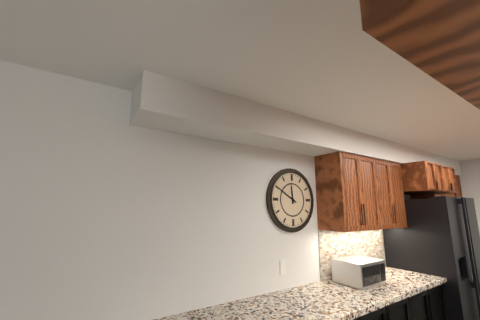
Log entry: 11,50
